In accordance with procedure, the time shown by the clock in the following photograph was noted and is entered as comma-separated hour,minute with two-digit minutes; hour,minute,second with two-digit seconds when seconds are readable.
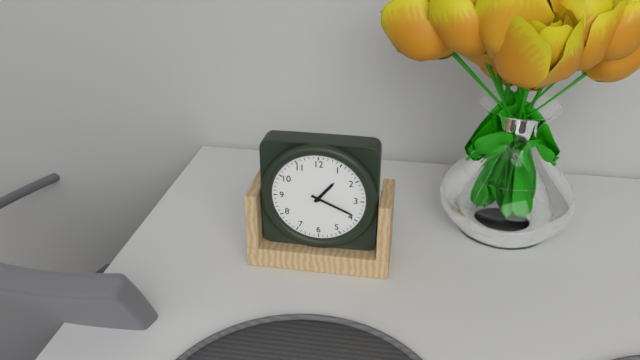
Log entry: 1,19
